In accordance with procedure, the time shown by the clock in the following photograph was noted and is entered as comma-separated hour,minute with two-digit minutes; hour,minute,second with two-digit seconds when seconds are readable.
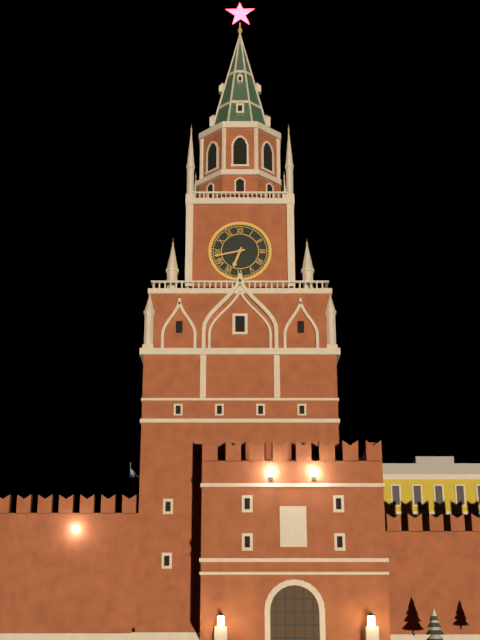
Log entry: 6,43
